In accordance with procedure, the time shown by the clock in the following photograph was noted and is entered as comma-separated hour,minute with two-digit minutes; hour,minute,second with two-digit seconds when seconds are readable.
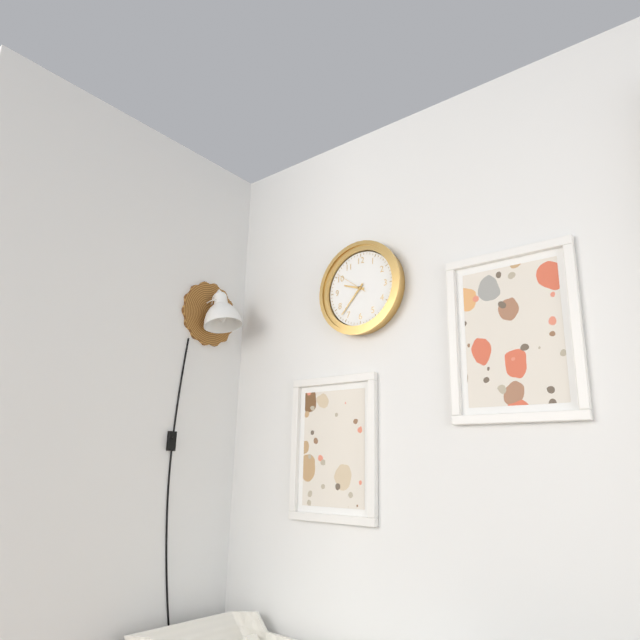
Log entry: 9,37
